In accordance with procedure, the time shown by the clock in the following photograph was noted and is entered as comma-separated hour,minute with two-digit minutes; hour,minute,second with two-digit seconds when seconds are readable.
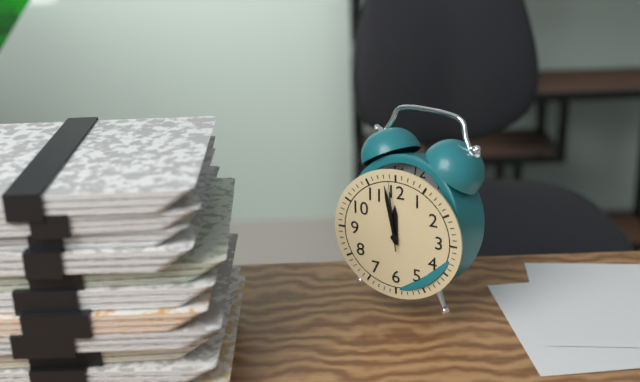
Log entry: 11,58,59
